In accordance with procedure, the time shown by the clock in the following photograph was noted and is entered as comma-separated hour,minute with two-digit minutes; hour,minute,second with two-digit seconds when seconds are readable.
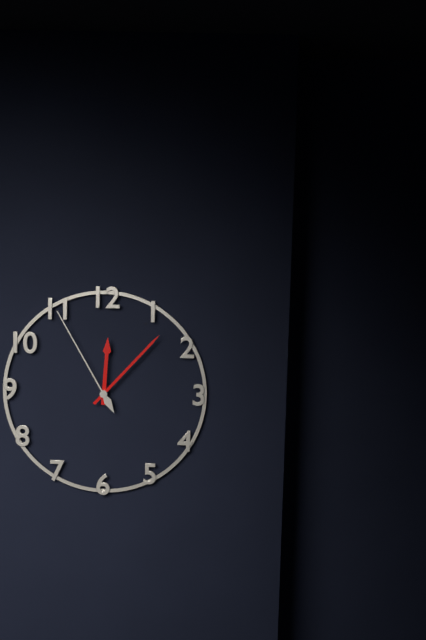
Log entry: 12,07,55
